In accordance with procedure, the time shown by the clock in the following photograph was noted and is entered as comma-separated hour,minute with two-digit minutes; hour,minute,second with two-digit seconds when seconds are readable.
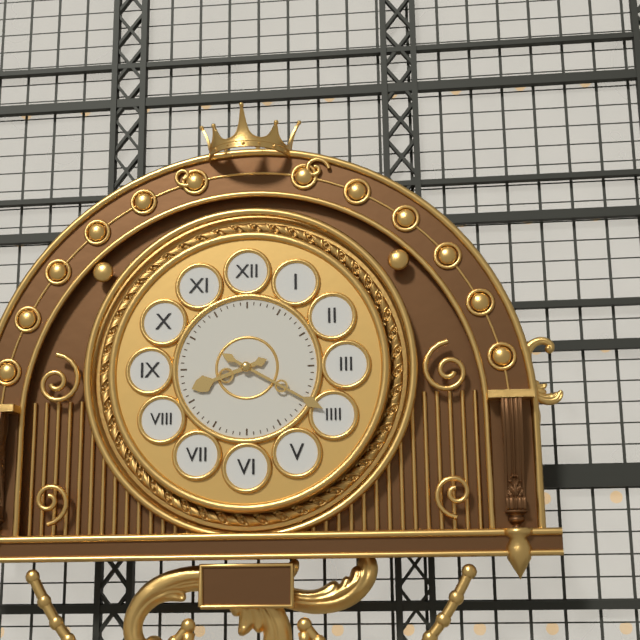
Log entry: 8,20
